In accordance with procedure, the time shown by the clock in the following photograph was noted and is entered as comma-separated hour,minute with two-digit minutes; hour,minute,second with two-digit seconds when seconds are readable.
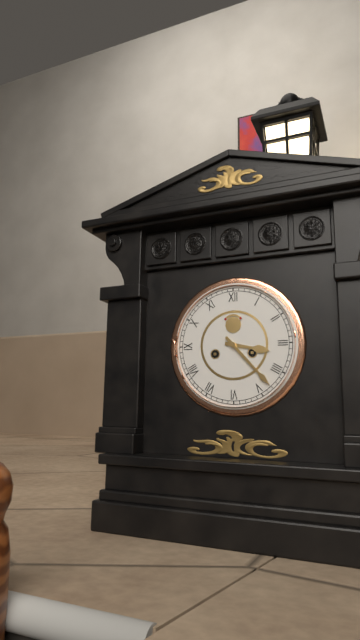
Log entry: 3,23
